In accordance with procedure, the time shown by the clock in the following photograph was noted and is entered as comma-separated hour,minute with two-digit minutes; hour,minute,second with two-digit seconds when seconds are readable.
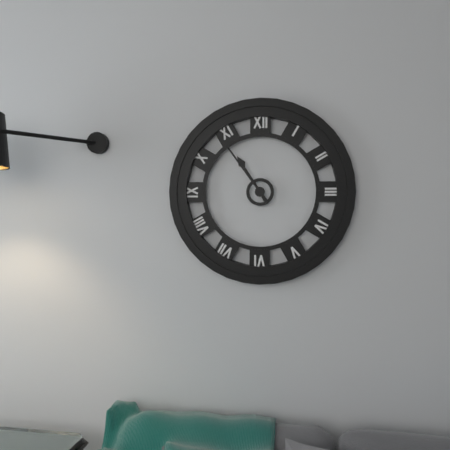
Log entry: 10,54
